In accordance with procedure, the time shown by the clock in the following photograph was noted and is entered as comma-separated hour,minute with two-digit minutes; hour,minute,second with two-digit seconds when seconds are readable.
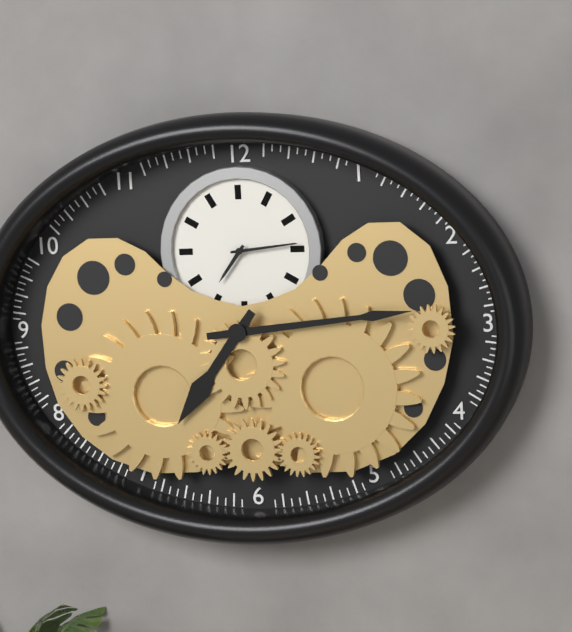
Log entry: 7,14
